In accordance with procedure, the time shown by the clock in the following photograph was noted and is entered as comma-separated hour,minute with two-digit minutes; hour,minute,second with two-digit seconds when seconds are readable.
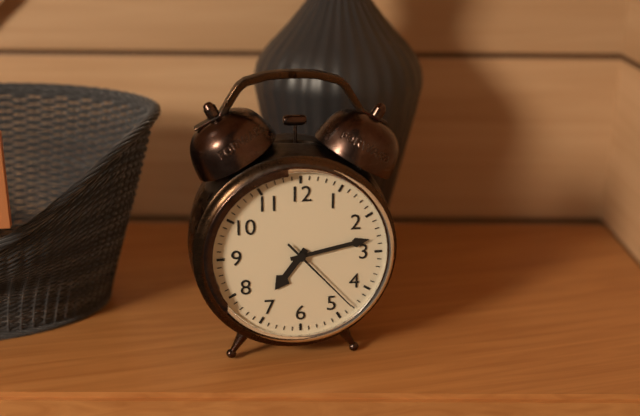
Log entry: 7,13,23
